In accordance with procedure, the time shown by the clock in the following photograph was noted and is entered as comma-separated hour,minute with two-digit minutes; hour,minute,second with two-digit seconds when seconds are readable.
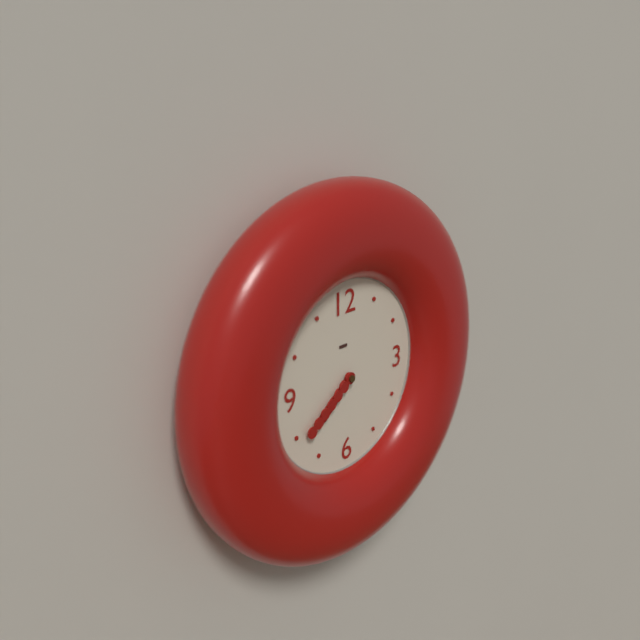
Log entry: 7,39
